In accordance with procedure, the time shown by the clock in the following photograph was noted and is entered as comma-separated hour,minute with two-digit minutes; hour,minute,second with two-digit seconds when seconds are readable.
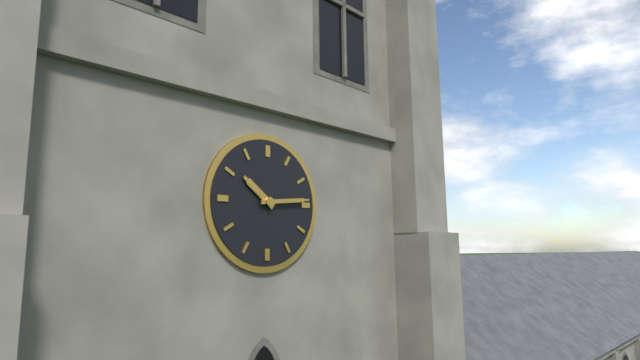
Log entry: 10,14
